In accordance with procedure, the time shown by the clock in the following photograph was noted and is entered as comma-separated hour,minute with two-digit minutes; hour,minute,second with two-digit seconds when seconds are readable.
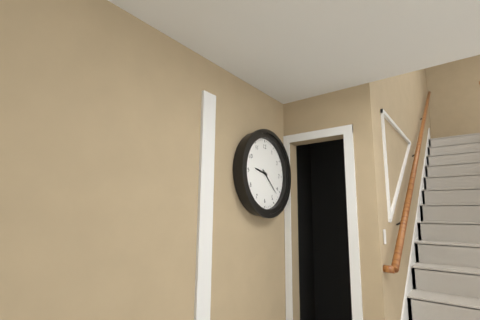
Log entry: 9,22
